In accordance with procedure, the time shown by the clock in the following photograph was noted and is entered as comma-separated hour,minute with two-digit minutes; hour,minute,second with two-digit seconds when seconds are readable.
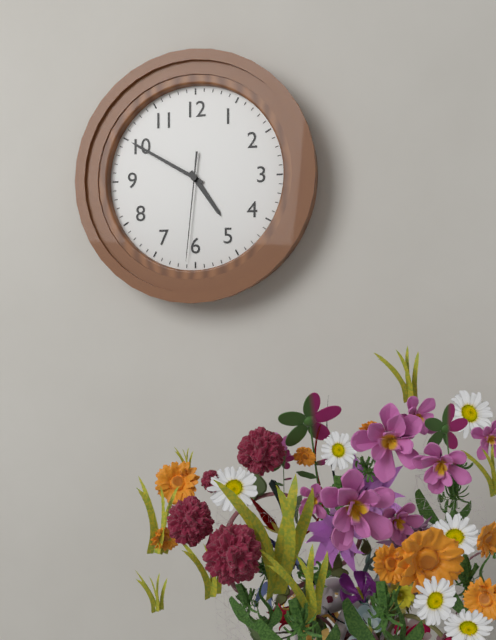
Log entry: 4,50,31
